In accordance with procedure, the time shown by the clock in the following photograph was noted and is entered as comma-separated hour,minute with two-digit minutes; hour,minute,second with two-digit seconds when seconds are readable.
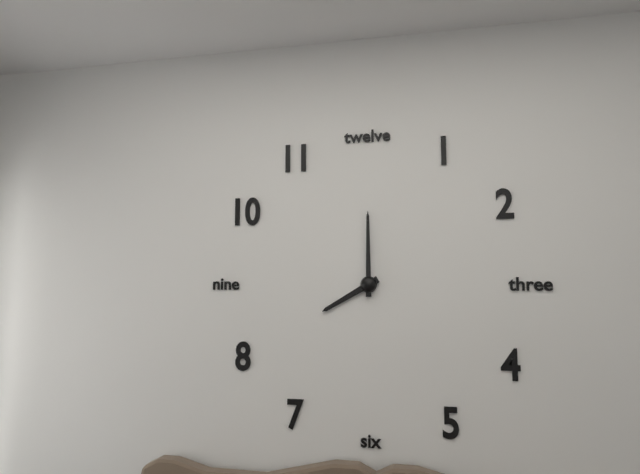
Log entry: 8,00
